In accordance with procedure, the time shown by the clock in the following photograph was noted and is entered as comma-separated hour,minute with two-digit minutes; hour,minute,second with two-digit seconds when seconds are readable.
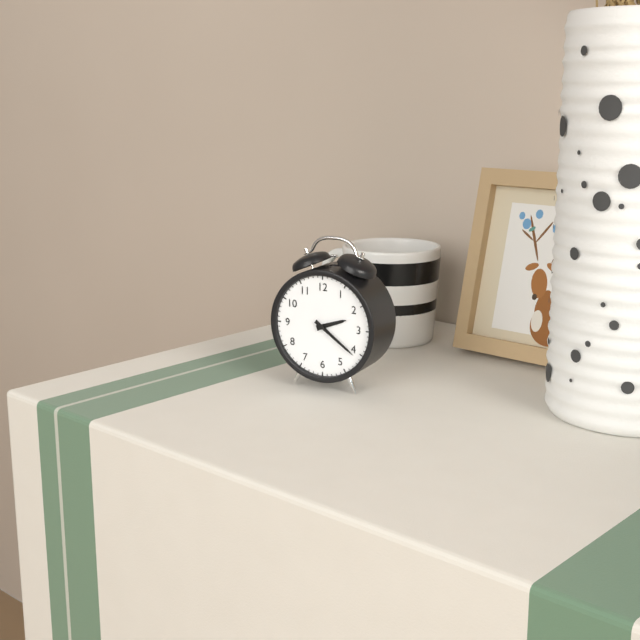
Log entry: 2,21
